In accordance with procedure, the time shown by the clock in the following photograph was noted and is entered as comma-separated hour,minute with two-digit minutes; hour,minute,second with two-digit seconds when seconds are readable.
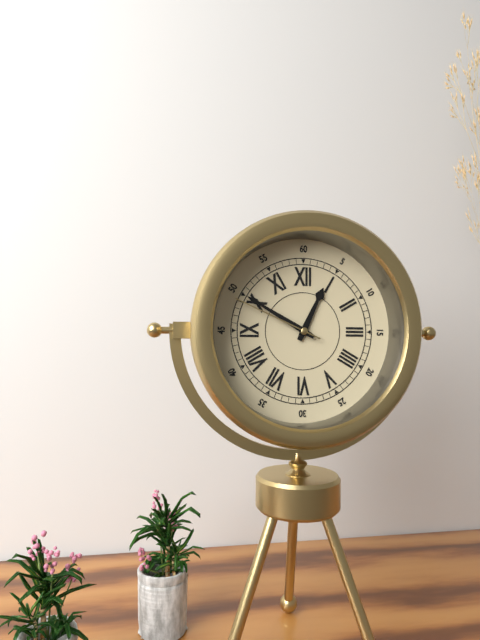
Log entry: 12,50,49
